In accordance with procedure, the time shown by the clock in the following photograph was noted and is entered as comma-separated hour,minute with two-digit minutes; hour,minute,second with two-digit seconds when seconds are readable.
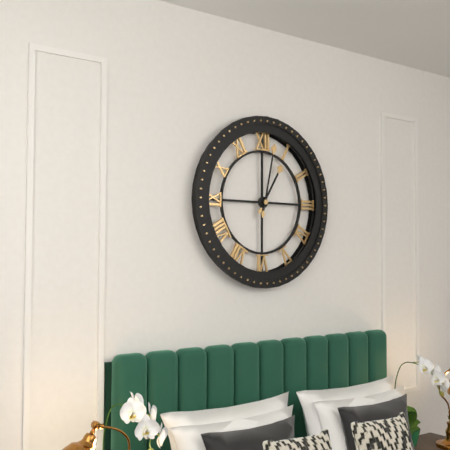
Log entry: 1,02
